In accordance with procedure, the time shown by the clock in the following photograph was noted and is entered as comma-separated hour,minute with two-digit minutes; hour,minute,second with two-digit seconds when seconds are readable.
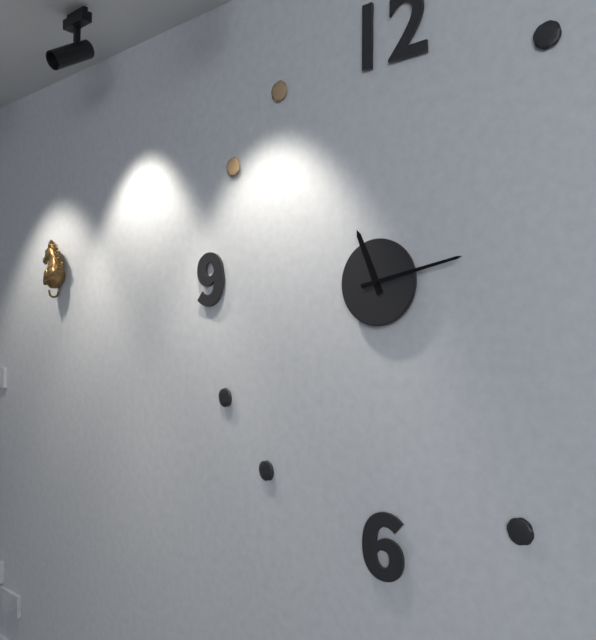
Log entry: 11,13
